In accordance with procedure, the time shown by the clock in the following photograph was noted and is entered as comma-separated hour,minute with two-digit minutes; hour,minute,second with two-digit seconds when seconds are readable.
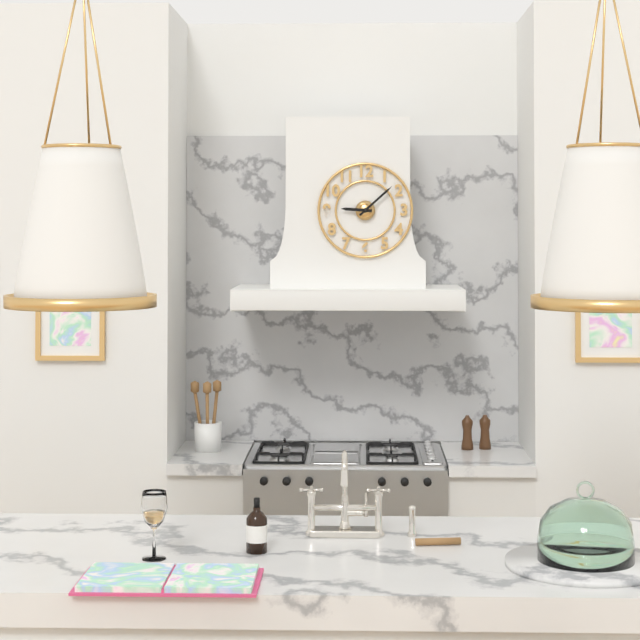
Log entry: 9,08
